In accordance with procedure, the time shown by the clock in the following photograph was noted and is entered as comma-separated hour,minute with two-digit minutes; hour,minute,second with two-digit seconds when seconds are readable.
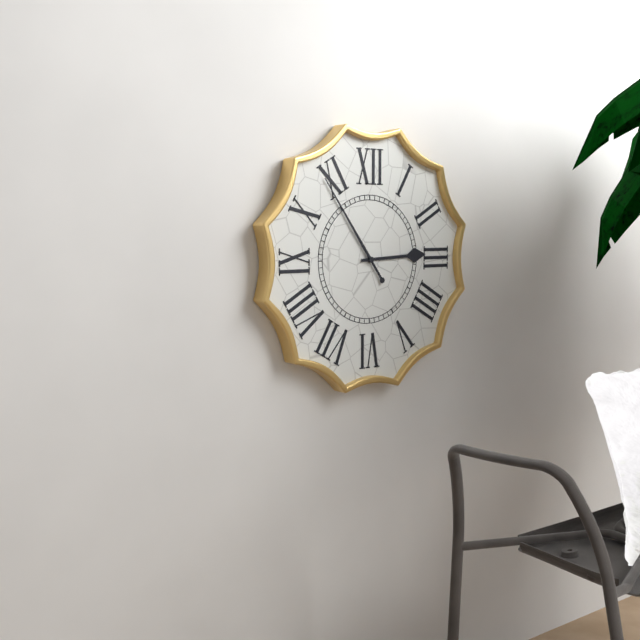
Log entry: 2,54
